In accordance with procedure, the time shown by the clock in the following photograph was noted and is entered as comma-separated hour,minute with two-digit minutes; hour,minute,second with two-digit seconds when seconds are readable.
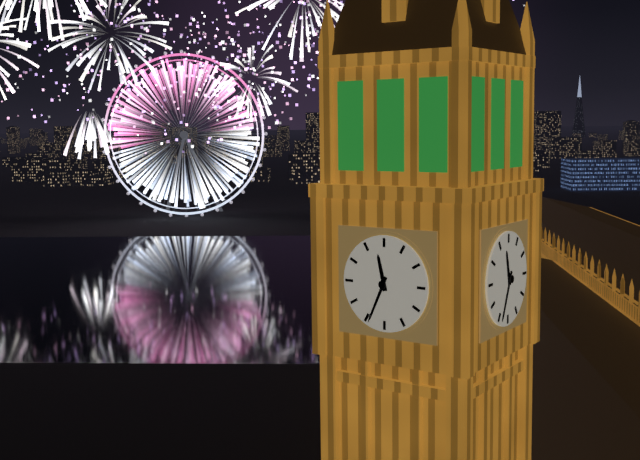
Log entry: 11,34
